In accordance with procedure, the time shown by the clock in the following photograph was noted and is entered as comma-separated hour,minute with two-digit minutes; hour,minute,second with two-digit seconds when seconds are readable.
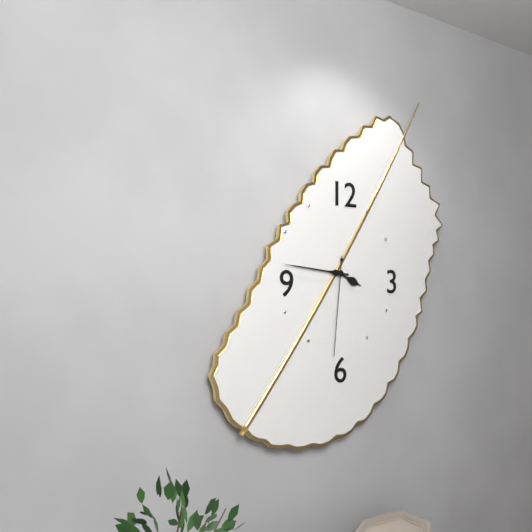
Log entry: 3,46,31
